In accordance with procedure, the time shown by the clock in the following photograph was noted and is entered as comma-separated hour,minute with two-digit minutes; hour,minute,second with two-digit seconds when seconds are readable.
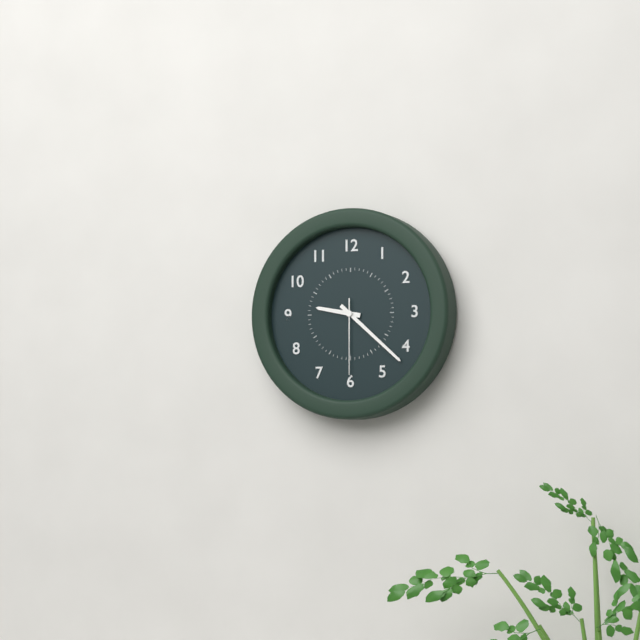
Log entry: 9,22,30
